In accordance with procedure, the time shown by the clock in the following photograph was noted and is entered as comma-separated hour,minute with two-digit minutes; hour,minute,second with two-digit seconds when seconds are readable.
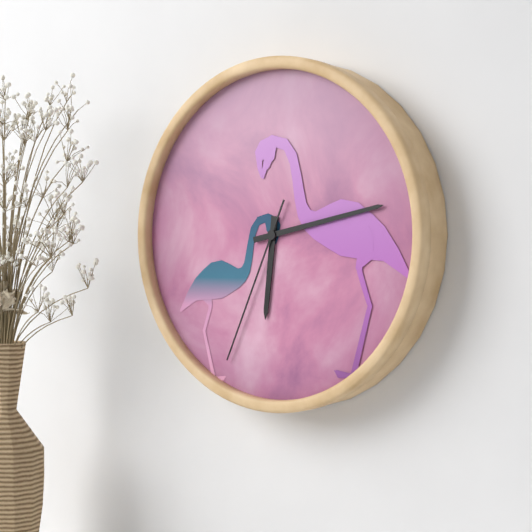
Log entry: 6,13,34
